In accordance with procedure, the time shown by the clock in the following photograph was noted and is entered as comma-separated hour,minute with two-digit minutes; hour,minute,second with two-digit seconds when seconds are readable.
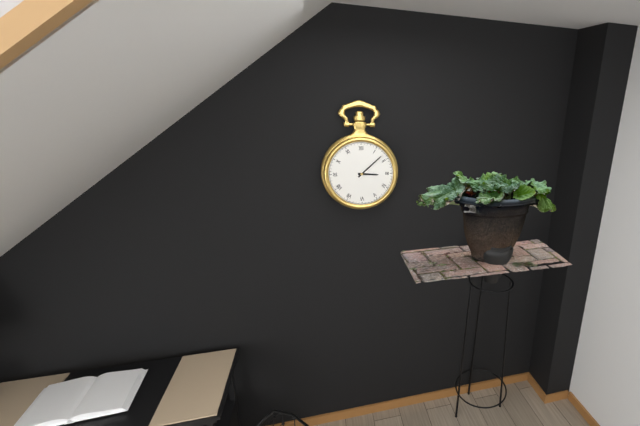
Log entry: 3,08
